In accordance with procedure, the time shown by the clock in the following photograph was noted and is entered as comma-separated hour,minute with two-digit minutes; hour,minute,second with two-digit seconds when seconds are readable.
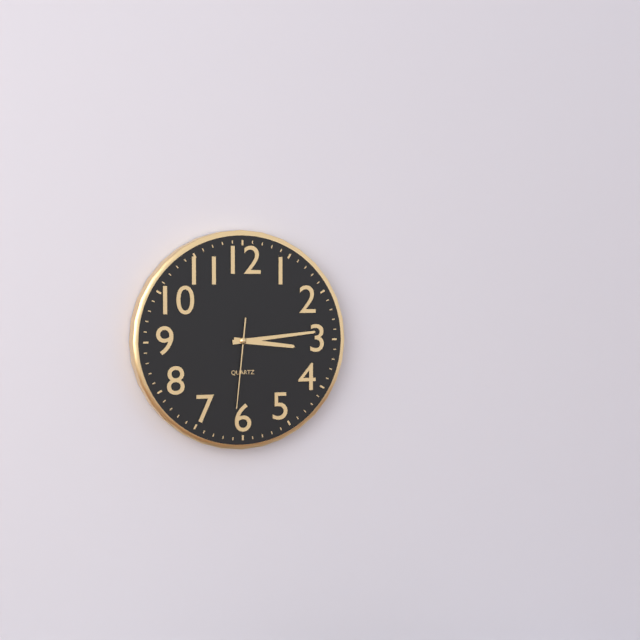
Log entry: 3,14,31
